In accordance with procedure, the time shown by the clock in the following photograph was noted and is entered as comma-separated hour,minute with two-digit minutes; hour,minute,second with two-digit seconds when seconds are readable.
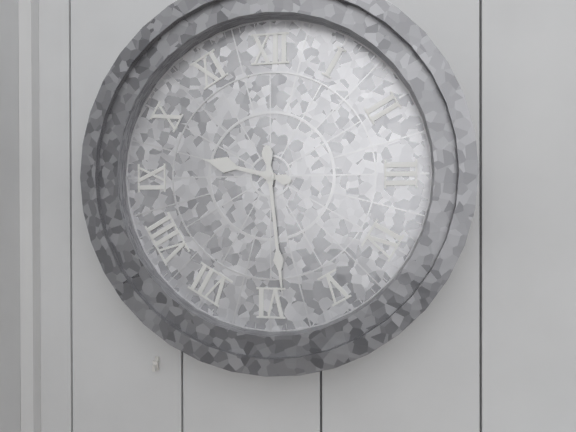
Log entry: 9,29
